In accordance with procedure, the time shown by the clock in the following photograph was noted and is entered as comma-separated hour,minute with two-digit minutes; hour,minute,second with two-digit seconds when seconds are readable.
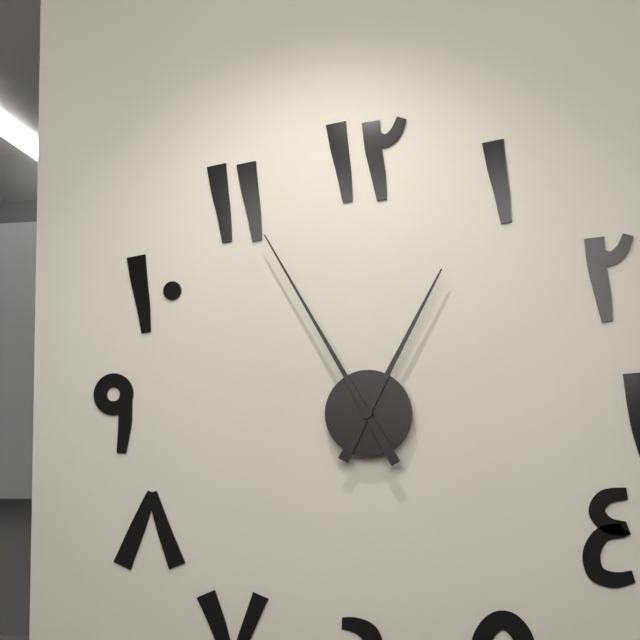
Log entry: 12,55
